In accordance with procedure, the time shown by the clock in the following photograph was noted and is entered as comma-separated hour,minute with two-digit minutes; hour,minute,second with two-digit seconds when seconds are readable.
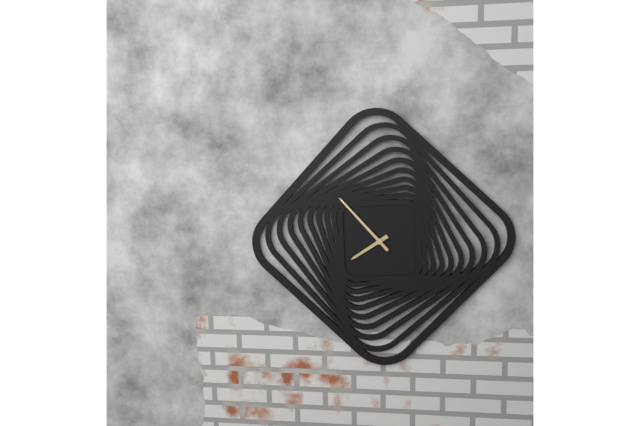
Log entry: 7,53
